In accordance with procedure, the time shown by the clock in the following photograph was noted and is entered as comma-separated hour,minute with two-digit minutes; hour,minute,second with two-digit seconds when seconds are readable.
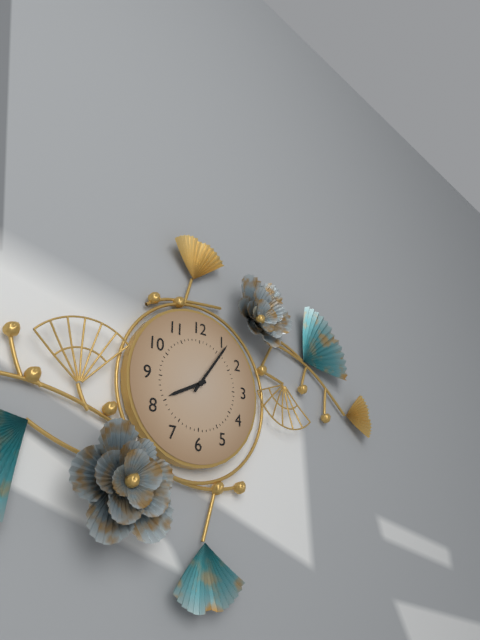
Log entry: 8,06
